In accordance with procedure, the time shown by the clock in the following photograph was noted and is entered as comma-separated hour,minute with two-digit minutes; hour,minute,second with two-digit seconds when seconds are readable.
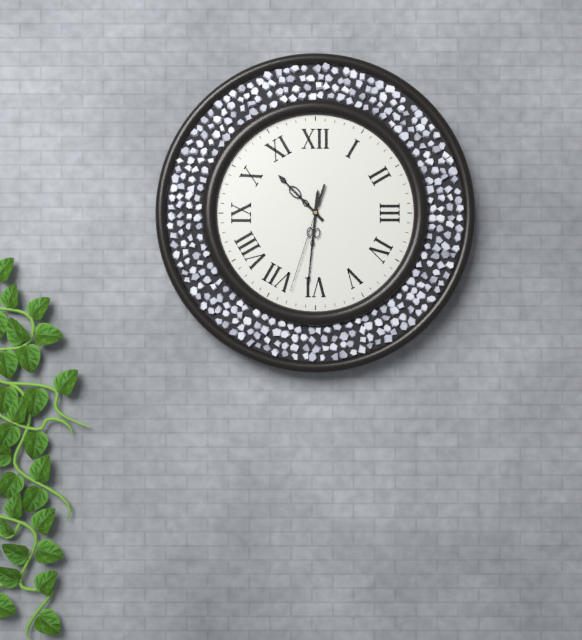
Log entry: 10,31,33
